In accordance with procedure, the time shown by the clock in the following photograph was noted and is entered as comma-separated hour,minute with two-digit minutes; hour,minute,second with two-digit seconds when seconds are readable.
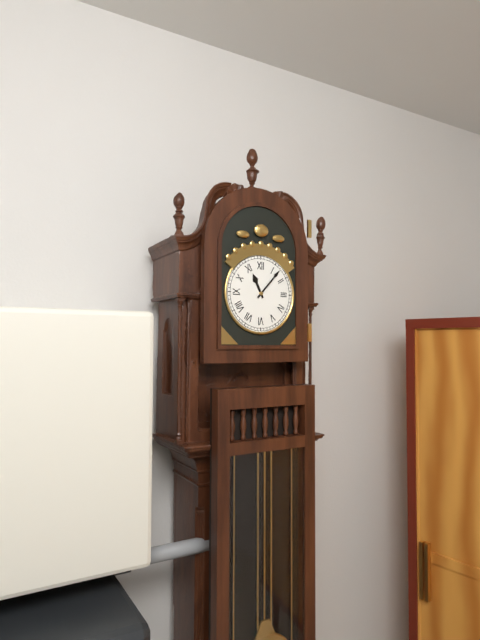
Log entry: 11,07
